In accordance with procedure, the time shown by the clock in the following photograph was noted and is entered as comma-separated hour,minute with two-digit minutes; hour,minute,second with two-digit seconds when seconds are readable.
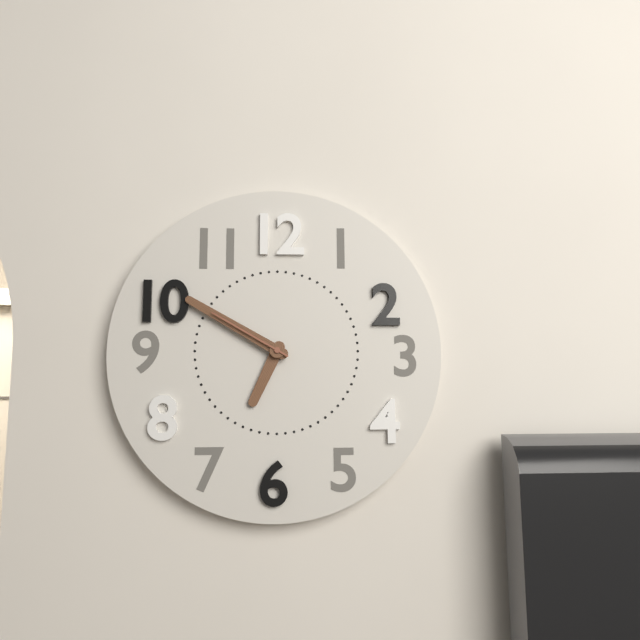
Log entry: 6,50,50
